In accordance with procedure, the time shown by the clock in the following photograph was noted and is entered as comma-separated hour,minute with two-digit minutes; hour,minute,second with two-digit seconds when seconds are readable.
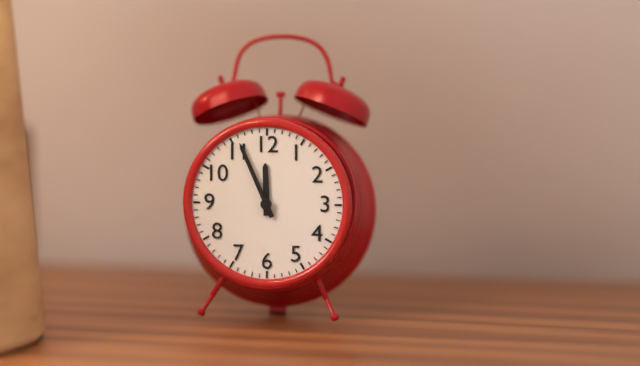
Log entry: 11,56
